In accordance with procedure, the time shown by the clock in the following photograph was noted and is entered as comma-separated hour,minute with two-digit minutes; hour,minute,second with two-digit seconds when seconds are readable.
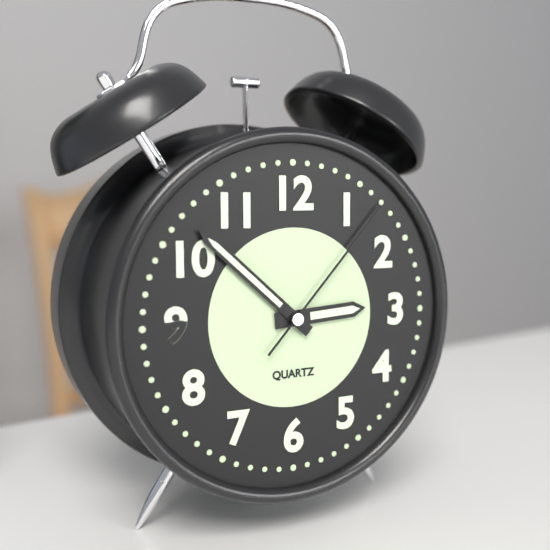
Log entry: 2,52,07
